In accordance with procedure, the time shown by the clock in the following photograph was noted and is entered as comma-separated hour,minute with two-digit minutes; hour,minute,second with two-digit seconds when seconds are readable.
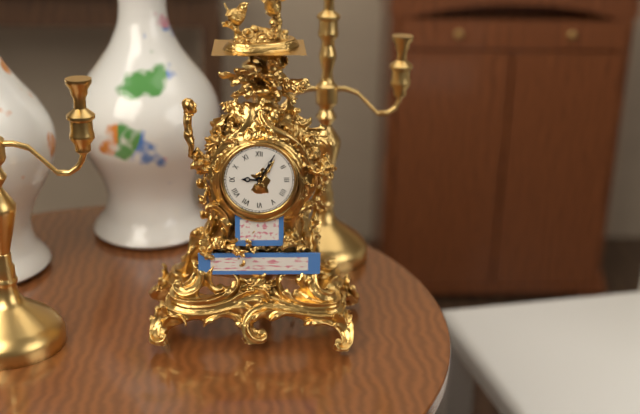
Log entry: 9,05
